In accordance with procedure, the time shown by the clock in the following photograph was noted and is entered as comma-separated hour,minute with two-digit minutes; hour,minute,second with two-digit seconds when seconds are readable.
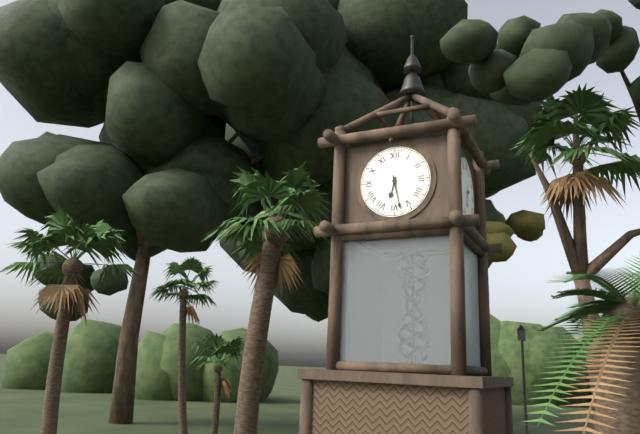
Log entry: 6,28
